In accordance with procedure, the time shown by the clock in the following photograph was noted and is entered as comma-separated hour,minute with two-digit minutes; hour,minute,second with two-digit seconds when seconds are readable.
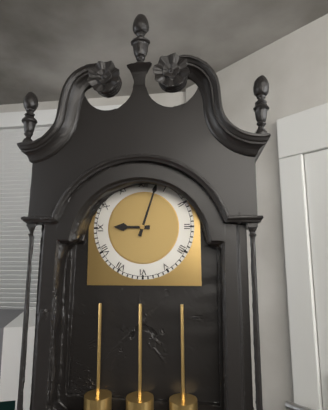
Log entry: 9,03
